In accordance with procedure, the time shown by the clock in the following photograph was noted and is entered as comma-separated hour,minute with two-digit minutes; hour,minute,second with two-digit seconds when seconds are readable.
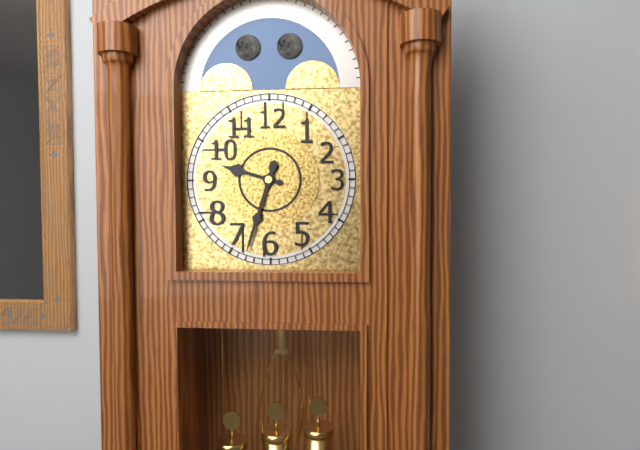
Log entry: 9,33
